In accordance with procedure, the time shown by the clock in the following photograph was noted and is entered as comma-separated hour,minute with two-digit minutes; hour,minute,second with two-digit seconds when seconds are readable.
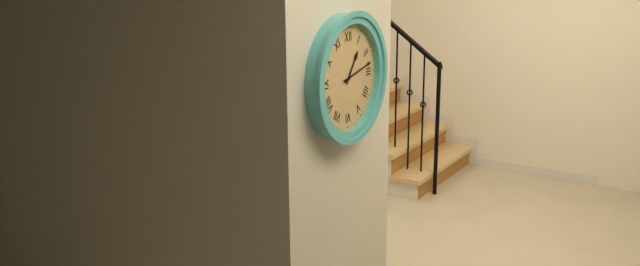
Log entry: 1,13
